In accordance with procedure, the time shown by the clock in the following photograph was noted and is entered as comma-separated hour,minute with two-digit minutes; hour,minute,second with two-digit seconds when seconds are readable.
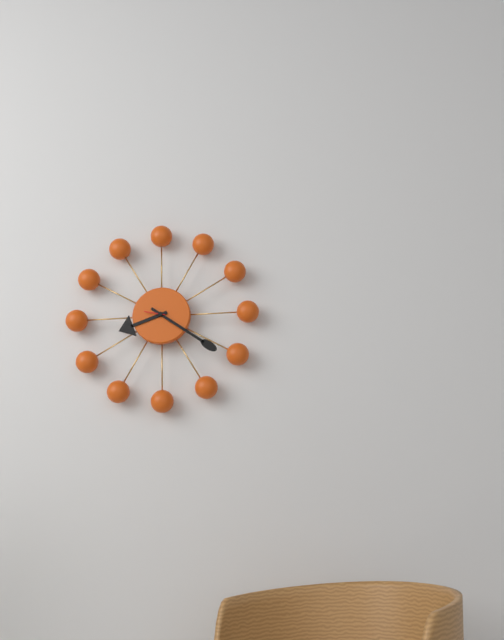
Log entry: 8,21
